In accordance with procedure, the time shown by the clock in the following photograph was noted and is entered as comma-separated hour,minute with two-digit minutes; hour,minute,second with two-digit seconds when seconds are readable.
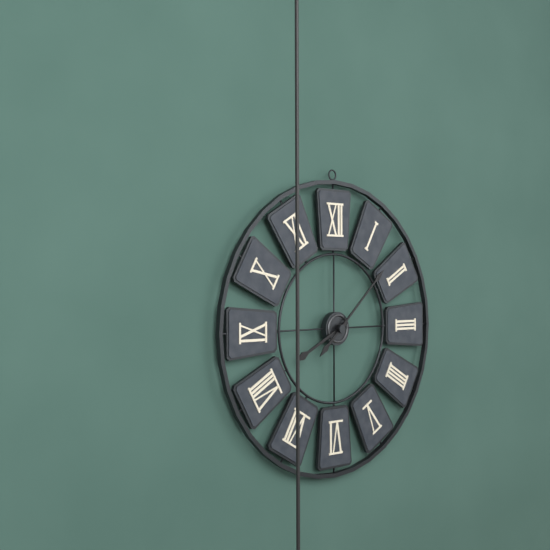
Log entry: 8,08
